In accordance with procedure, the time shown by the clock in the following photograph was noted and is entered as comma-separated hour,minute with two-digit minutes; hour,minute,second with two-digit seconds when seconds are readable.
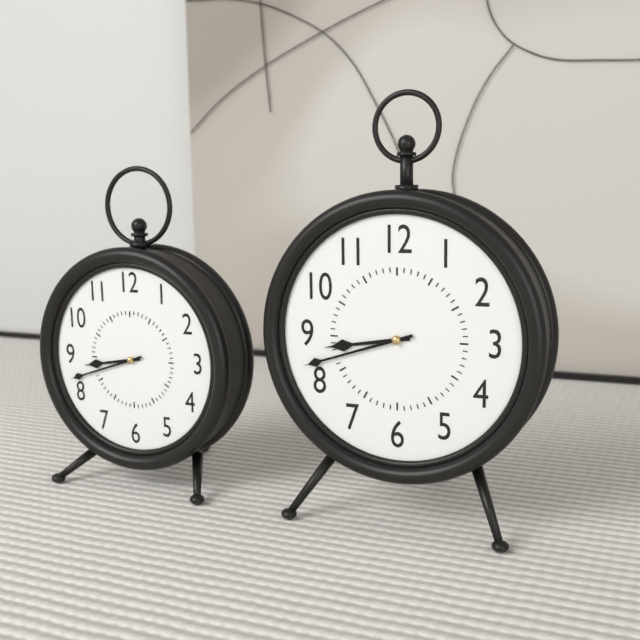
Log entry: 8,42
